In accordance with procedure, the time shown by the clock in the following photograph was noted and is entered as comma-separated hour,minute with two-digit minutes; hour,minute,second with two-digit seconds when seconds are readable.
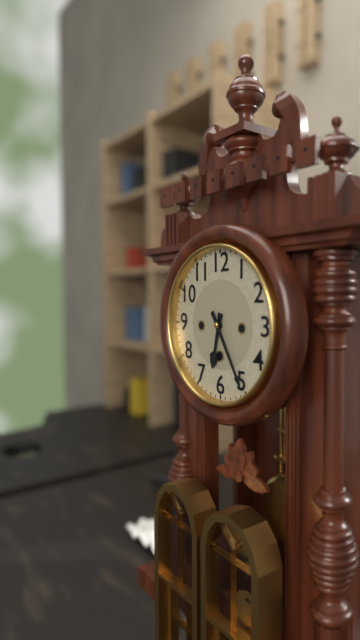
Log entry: 6,25
